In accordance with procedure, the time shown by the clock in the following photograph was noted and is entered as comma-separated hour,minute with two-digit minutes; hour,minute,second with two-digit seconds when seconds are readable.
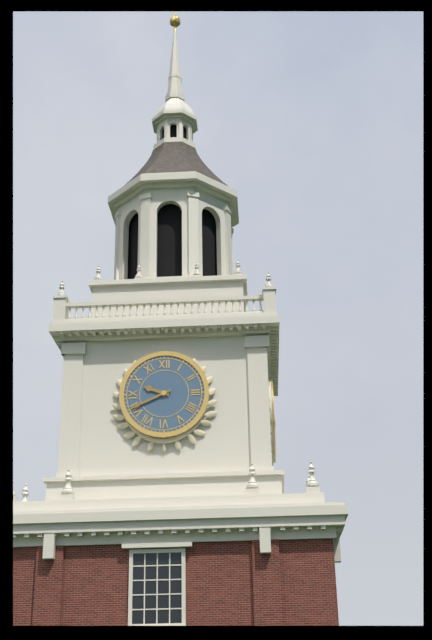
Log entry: 9,41
